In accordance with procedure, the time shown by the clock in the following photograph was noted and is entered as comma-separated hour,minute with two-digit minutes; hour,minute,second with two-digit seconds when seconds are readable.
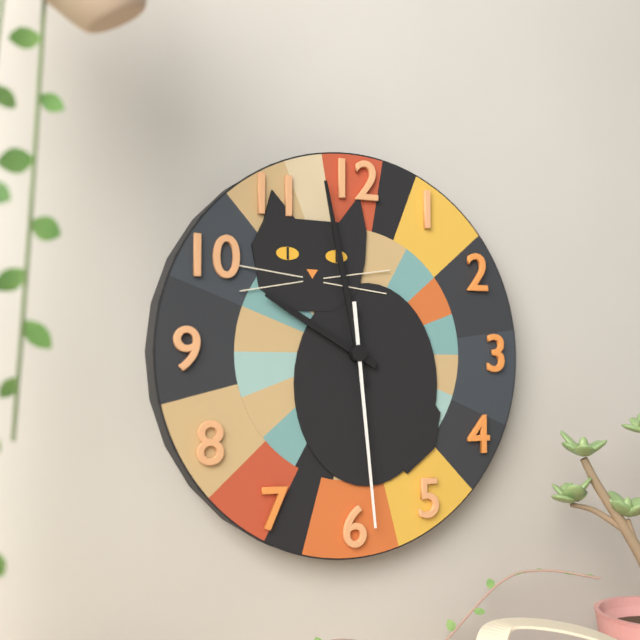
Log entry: 9,58,29
